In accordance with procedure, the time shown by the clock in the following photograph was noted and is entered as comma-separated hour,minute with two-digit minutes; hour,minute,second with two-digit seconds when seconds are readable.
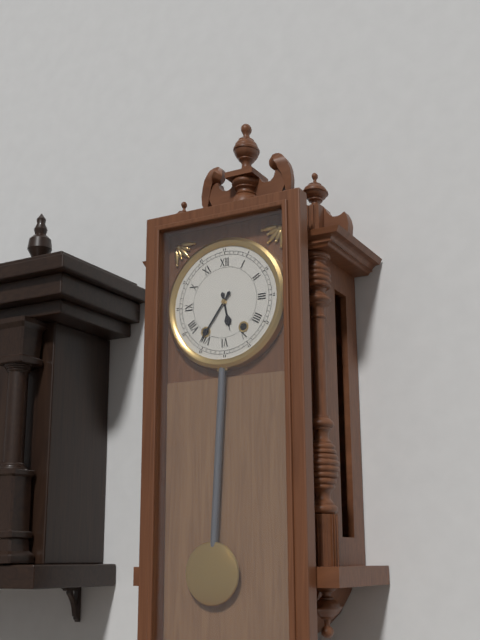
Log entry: 5,36
